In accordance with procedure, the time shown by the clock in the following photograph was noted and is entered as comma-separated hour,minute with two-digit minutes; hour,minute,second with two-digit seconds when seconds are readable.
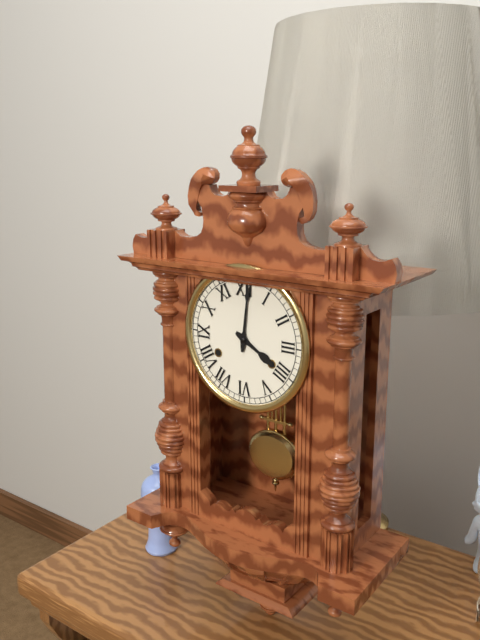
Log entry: 4,01
